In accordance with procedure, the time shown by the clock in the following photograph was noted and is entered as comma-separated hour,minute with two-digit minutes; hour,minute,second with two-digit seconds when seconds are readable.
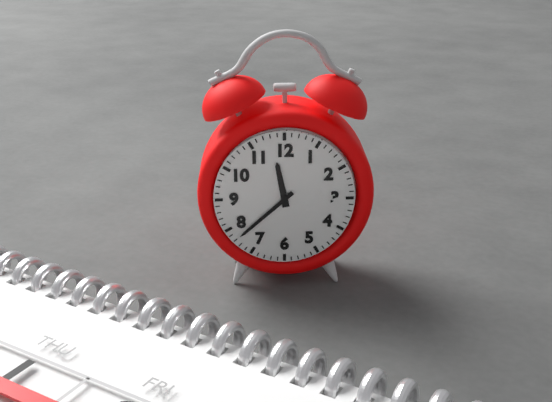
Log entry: 11,38
